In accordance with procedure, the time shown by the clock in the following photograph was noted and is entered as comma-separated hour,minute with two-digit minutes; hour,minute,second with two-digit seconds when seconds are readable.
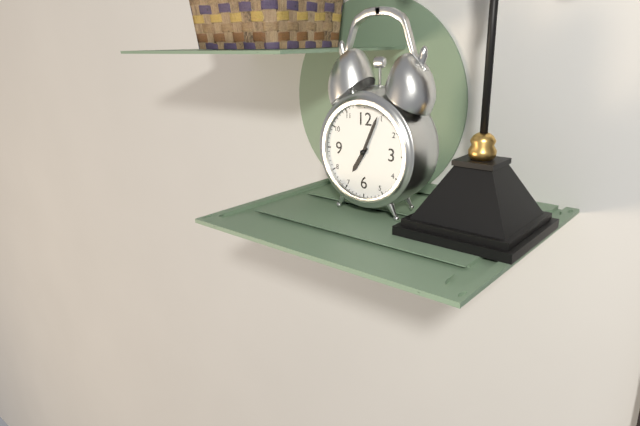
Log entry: 7,04
